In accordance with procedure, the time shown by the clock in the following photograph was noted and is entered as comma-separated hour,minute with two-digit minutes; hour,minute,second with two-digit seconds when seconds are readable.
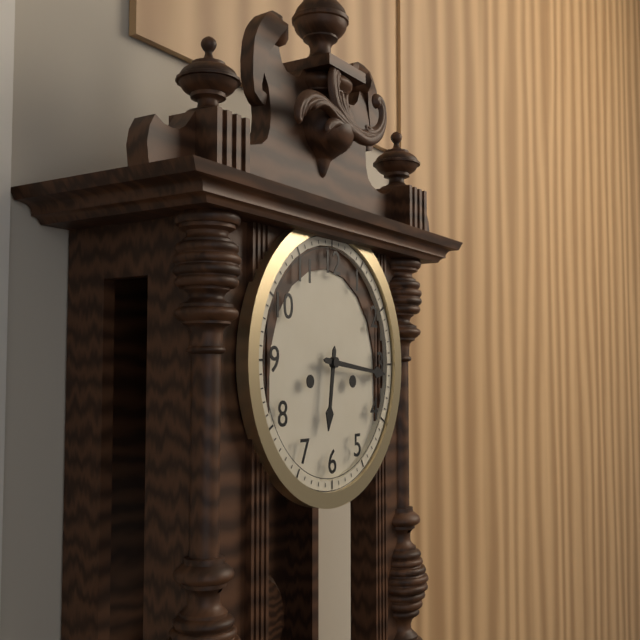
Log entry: 6,16
